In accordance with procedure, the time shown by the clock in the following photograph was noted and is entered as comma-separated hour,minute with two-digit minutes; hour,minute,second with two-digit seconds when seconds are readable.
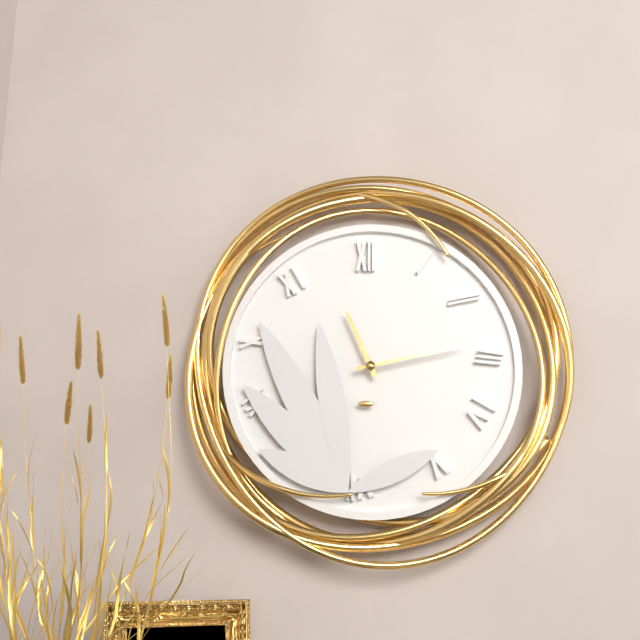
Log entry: 11,13
